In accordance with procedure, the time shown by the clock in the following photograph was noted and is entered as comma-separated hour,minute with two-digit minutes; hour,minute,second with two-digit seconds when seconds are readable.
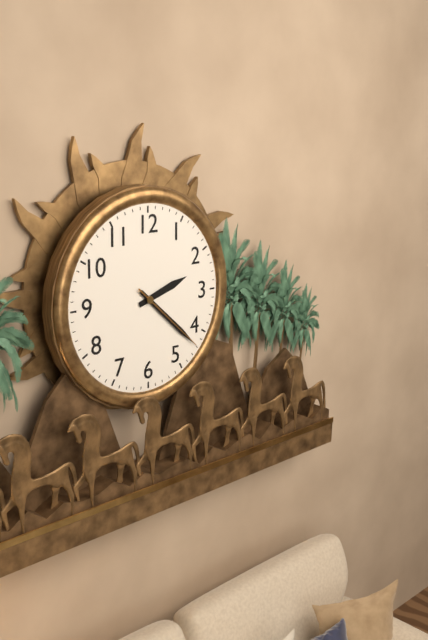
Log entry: 2,22,22
